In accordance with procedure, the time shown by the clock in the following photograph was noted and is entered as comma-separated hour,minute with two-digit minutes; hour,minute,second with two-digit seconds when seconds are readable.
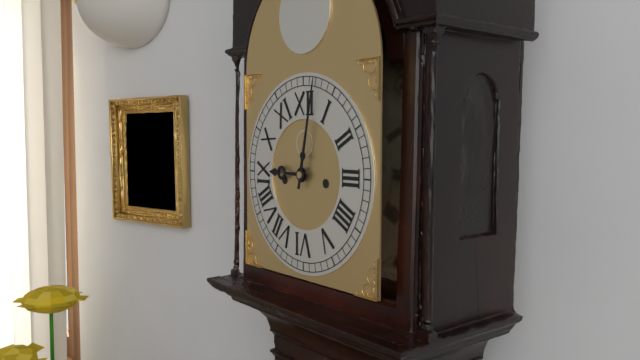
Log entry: 9,02
